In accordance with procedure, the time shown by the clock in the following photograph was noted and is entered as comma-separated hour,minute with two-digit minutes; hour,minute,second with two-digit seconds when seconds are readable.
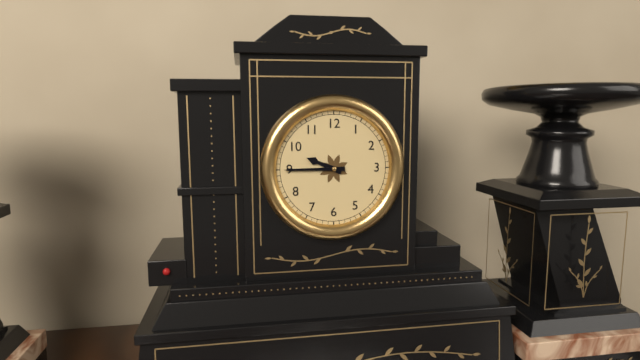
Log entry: 9,45
